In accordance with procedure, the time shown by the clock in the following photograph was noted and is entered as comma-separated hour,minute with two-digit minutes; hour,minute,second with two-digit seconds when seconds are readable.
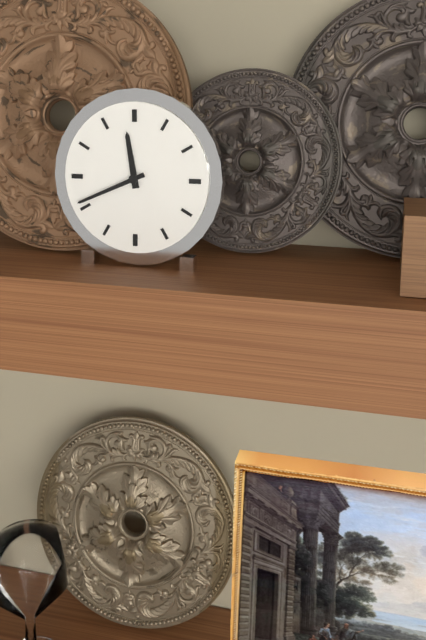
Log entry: 11,41
